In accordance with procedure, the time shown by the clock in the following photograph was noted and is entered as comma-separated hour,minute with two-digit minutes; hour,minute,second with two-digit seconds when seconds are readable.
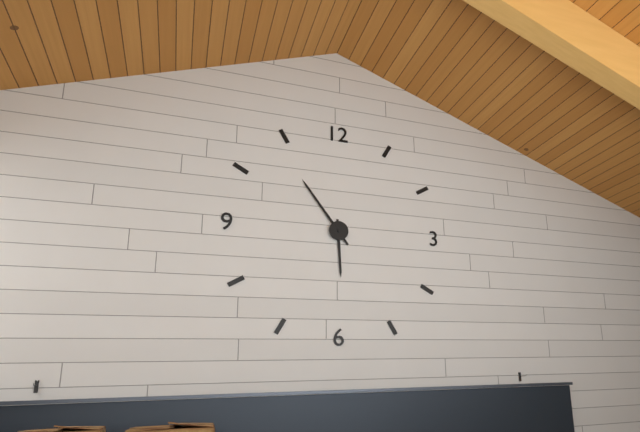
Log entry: 5,54
